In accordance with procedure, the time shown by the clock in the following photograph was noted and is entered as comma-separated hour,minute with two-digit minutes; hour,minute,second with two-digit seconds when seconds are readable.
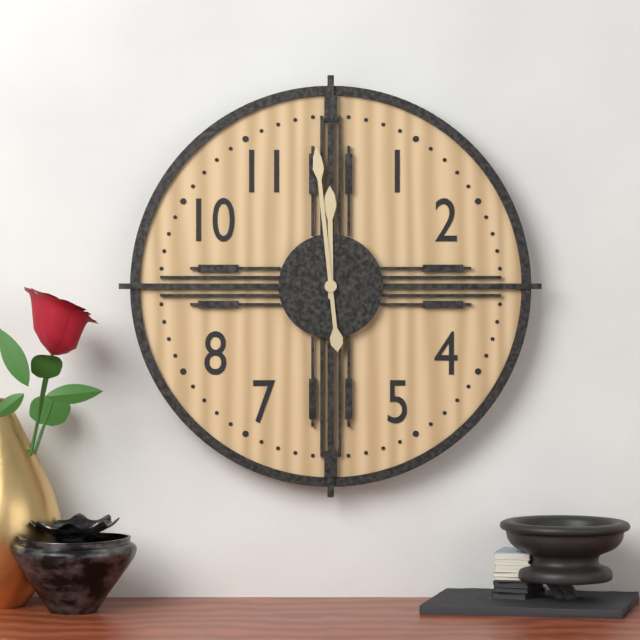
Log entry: 11,59
